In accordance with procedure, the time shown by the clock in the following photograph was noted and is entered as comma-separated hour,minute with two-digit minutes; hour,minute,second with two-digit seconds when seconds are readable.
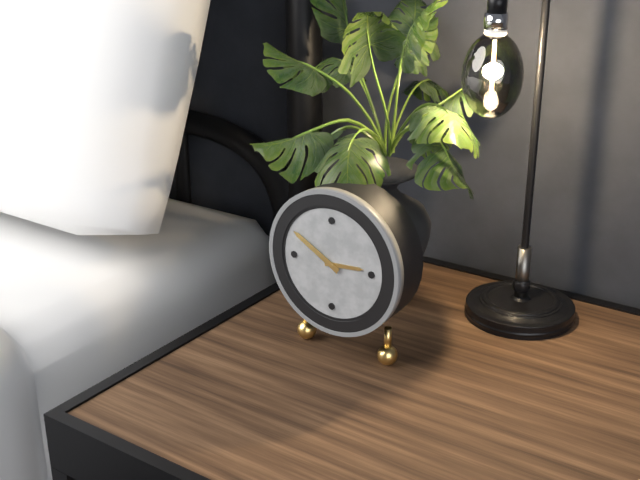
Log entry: 2,50
